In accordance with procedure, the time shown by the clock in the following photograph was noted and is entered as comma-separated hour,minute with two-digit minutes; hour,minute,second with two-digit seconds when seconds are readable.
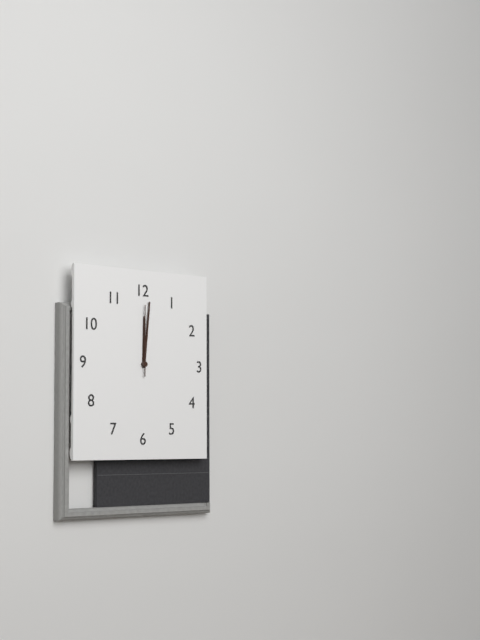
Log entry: 12,01,00
